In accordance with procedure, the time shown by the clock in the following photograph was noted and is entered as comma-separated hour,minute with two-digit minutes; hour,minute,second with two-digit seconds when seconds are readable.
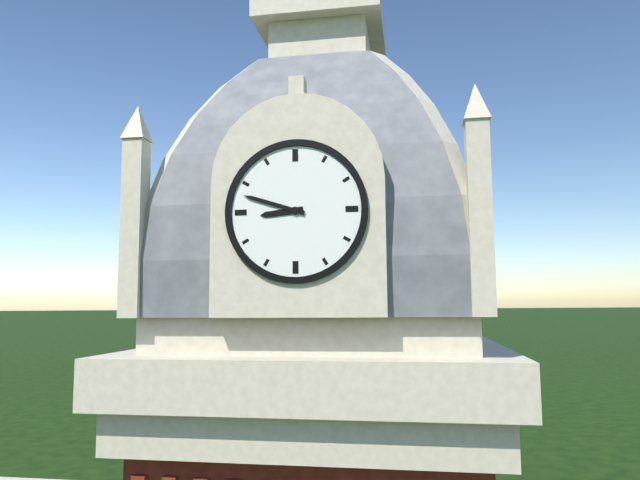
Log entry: 8,48
